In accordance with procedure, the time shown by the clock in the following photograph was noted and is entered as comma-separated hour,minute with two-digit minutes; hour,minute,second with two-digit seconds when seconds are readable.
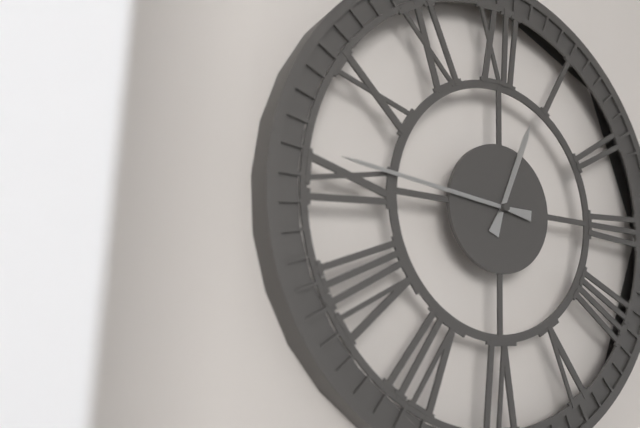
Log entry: 12,46
